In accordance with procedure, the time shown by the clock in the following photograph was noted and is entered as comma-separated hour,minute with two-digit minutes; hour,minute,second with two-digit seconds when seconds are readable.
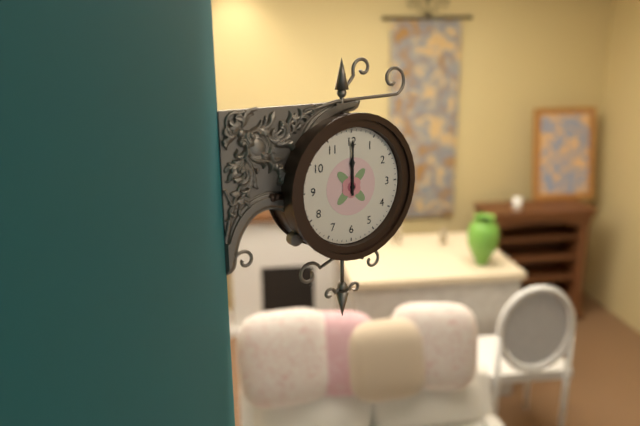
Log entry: 12,00
